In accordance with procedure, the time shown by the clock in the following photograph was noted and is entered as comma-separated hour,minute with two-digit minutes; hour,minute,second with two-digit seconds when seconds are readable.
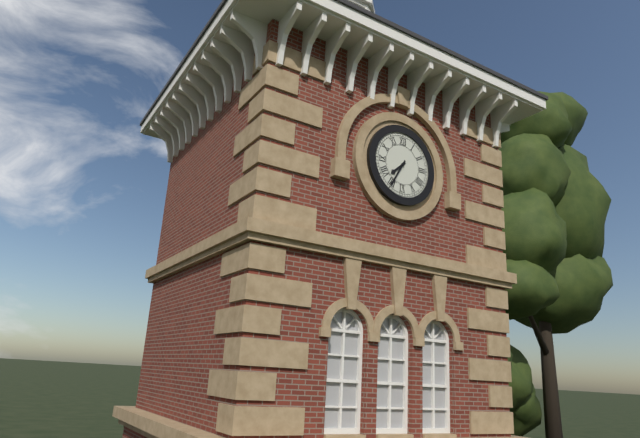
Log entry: 7,35
